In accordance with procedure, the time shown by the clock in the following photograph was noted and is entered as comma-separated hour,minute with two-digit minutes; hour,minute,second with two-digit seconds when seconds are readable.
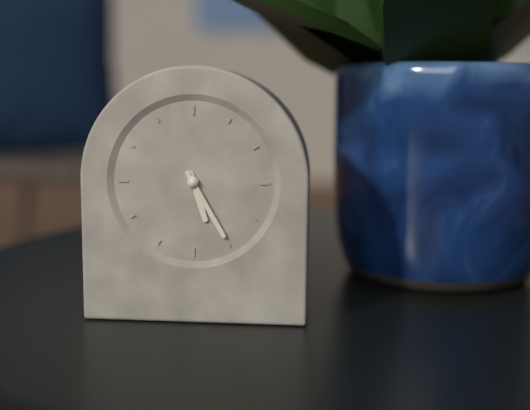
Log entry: 5,25
